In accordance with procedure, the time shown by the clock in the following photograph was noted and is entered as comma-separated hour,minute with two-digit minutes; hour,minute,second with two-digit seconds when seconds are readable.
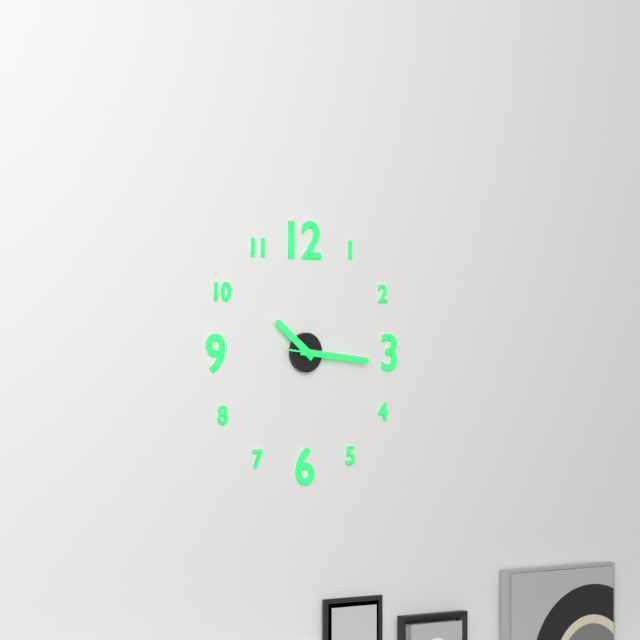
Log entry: 10,16,16
